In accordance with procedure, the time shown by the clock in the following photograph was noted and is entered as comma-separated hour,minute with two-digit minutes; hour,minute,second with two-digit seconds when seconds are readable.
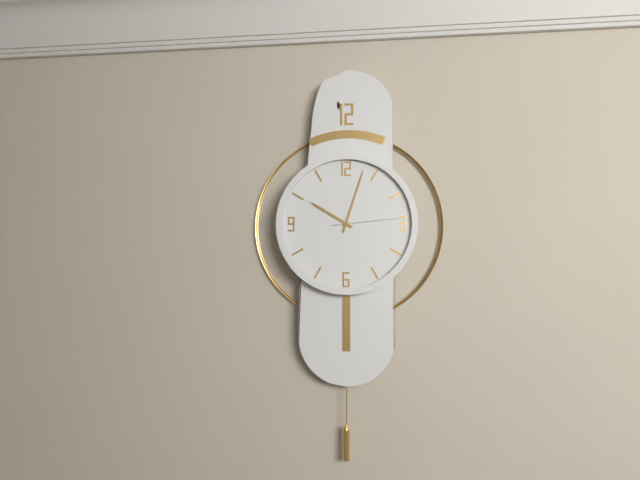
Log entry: 10,03,14
